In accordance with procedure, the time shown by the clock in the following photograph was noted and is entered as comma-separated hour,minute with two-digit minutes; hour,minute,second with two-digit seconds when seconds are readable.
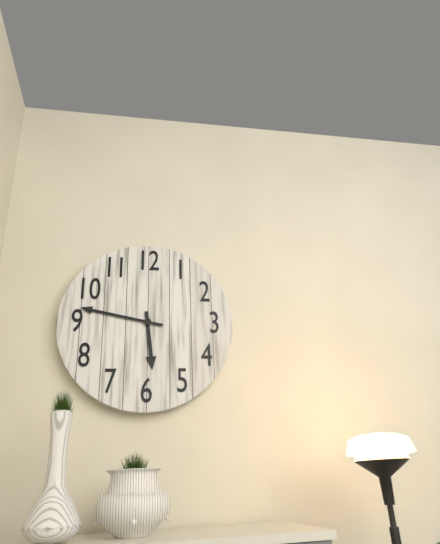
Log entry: 5,47
